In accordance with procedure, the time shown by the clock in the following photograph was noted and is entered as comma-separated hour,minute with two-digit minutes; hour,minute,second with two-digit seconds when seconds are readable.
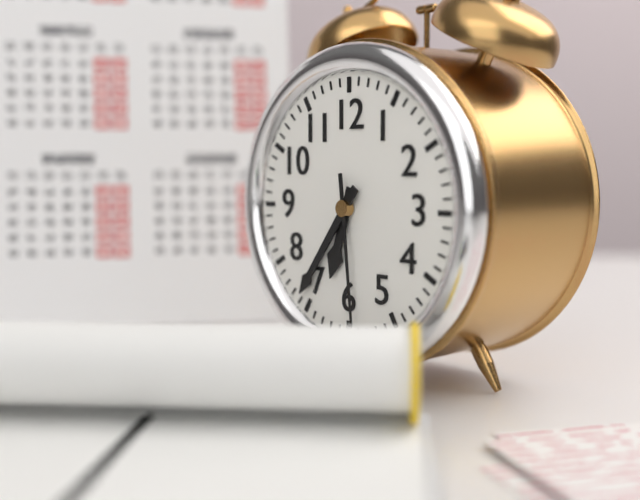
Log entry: 6,36,29
